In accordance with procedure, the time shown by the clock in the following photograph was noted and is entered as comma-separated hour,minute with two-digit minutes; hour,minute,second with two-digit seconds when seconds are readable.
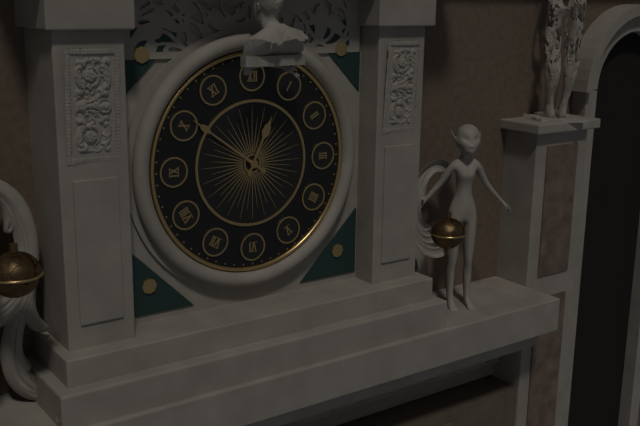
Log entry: 12,51
